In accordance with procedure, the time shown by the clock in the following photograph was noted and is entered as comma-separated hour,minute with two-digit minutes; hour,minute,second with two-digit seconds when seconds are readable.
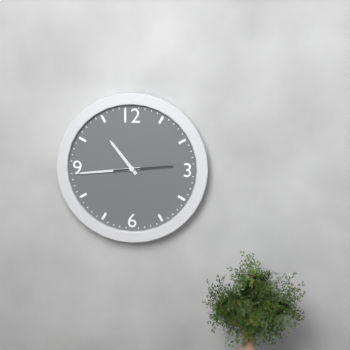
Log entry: 10,44,14
